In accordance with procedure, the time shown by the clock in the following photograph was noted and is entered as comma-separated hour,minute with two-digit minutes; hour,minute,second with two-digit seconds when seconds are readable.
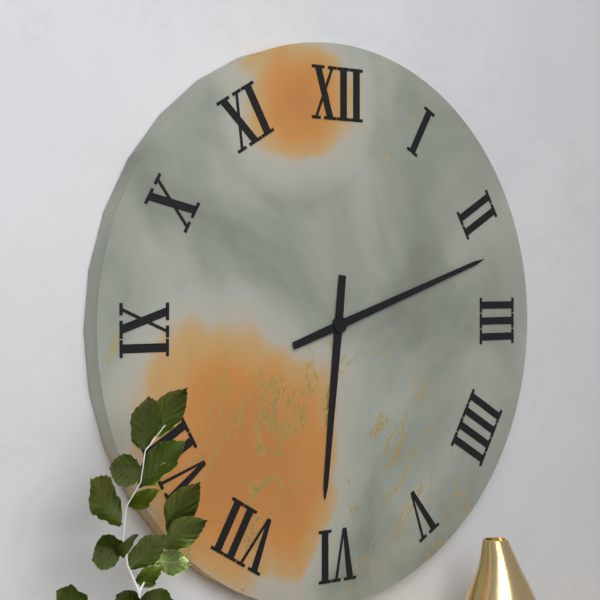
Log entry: 6,12
